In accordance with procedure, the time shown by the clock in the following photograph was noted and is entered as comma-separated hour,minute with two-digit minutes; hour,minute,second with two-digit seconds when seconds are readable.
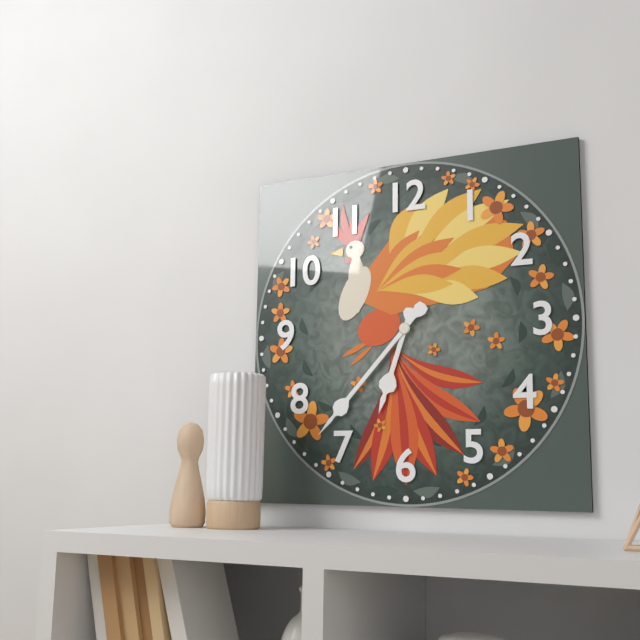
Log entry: 6,37
